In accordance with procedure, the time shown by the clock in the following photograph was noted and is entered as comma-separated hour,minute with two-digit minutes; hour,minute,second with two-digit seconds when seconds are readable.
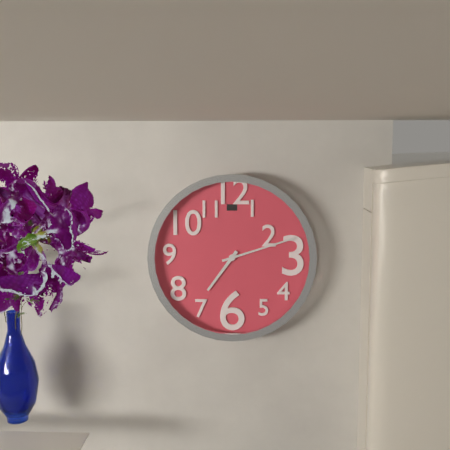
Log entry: 7,12
